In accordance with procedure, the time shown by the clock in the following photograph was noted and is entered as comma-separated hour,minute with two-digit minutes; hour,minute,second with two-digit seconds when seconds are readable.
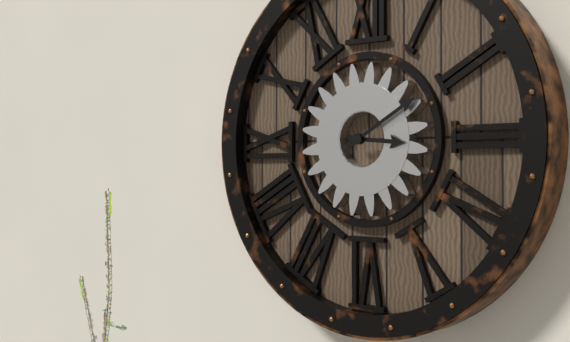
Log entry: 3,10
